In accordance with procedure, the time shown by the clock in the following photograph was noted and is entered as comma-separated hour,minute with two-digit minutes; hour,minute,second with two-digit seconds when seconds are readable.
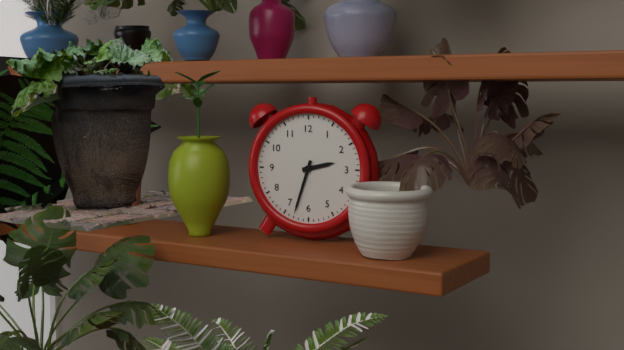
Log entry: 2,33
